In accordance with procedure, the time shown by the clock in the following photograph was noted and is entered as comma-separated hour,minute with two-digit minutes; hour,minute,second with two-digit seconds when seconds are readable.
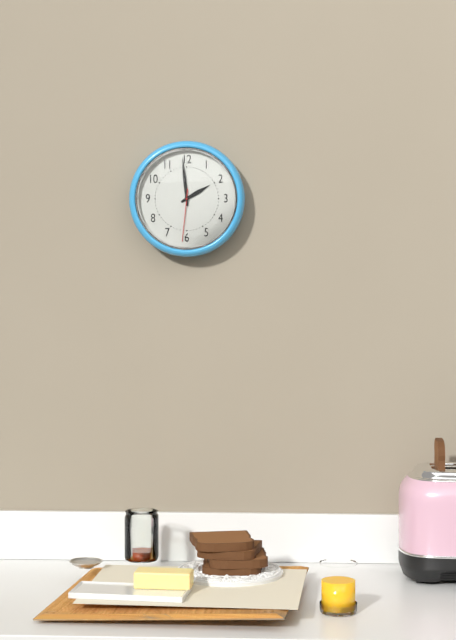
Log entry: 1,59,31
